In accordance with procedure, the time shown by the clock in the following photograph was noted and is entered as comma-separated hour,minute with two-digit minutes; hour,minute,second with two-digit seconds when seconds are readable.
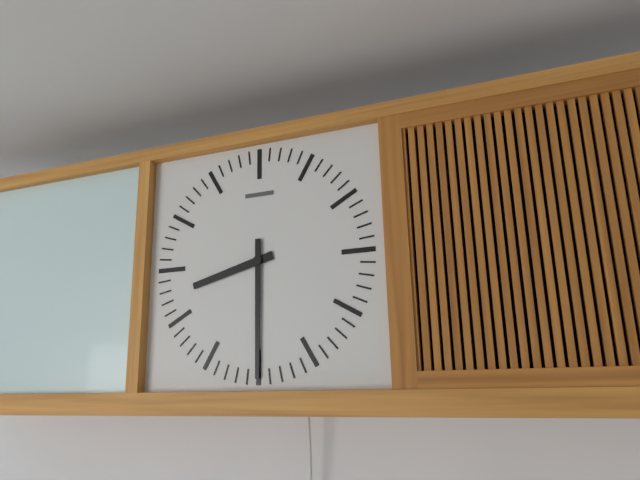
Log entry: 8,30
